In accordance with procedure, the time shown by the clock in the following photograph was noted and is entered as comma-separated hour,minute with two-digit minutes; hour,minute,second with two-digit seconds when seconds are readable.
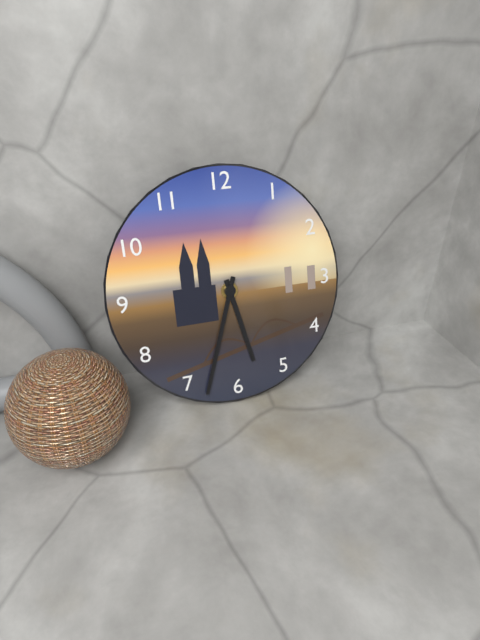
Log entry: 5,33
